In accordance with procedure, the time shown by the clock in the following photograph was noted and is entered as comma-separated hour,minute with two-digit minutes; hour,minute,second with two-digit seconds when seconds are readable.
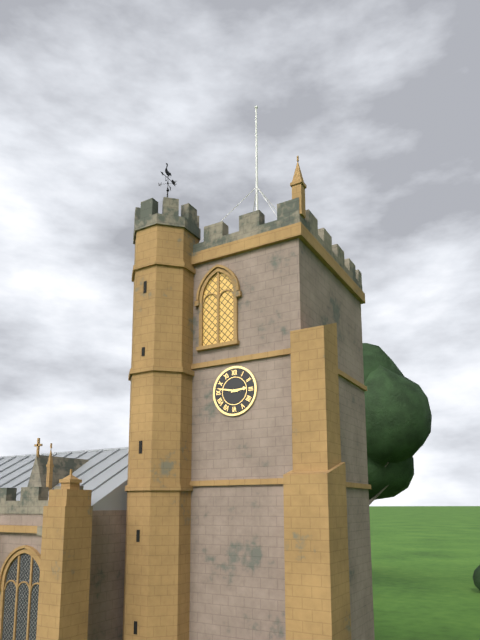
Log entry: 2,47
